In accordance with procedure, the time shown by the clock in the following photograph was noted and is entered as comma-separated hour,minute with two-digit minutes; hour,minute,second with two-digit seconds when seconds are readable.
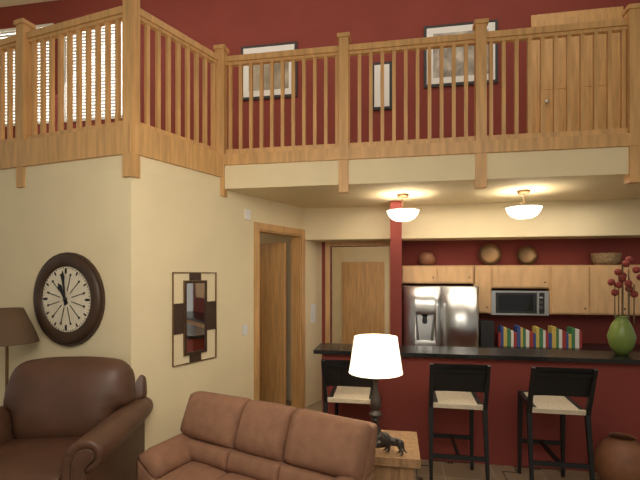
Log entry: 10,59
